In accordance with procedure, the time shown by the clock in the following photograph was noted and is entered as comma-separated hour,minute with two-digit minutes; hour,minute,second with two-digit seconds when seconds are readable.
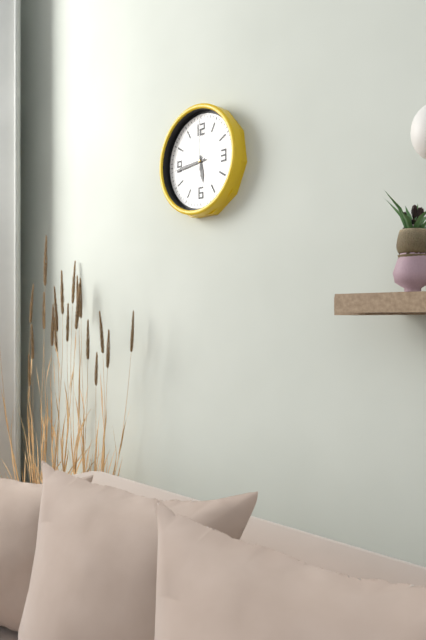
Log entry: 5,44,00
